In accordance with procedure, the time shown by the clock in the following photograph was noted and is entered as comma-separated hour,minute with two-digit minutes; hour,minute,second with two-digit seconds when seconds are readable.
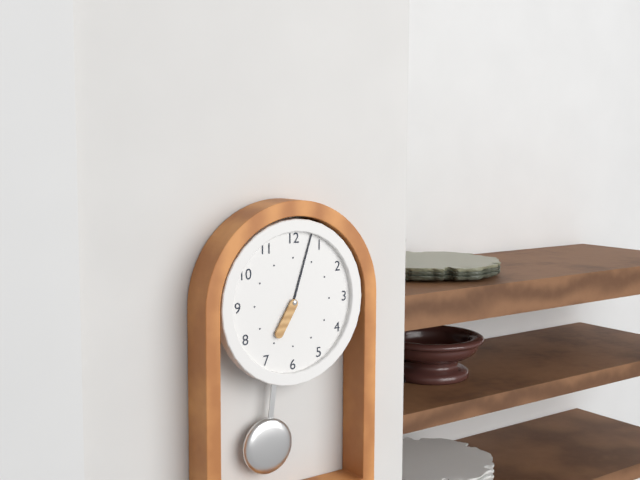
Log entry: 7,03
